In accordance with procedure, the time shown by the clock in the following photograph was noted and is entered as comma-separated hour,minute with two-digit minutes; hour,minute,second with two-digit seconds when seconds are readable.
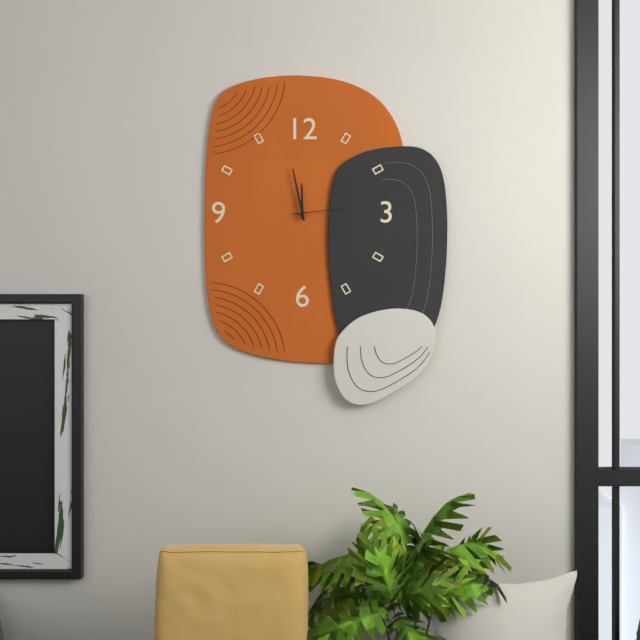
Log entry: 11,58,14
